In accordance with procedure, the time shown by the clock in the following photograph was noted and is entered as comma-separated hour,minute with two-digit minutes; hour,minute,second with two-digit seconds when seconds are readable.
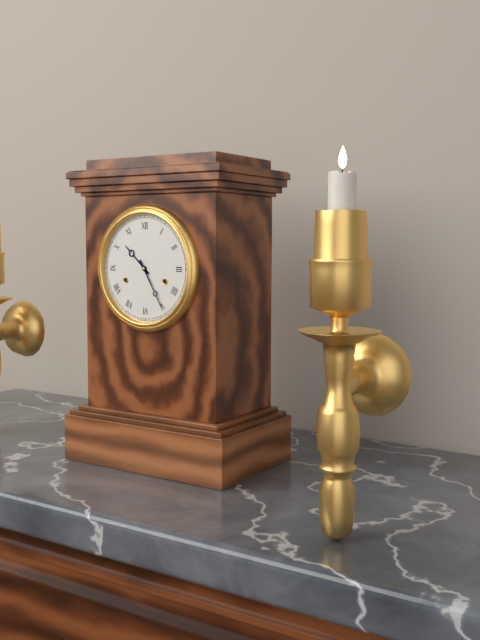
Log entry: 10,25
